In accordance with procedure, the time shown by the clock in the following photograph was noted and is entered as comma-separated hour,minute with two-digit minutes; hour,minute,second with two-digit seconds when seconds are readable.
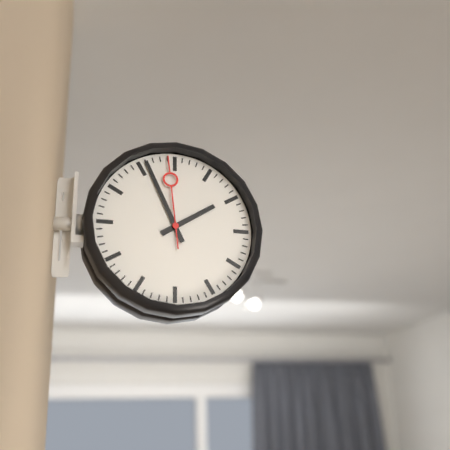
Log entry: 1,56,59
